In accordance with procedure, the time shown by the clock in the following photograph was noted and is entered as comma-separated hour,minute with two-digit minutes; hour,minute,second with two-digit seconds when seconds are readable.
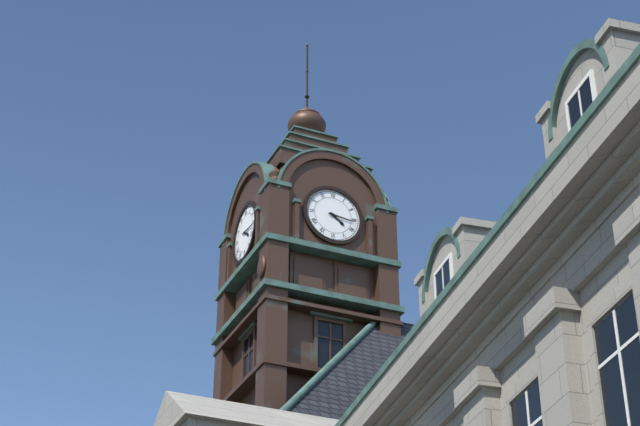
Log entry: 4,16
